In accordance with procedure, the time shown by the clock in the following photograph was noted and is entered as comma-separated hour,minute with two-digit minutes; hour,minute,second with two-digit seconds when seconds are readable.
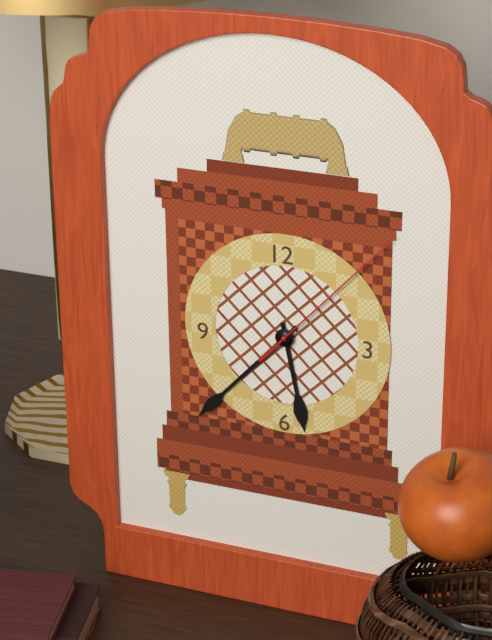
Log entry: 5,37,07
